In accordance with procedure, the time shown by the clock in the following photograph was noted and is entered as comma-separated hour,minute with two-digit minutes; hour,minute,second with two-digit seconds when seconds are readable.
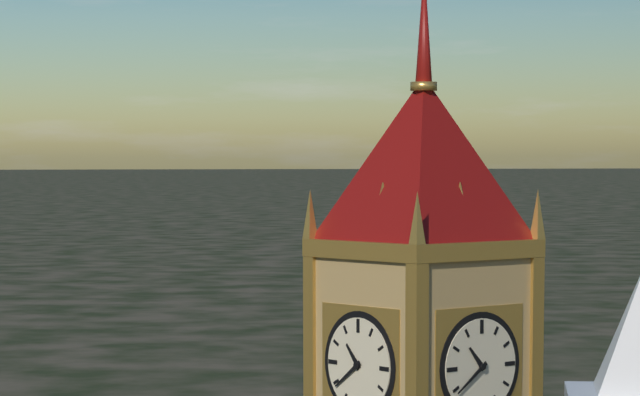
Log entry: 10,39
